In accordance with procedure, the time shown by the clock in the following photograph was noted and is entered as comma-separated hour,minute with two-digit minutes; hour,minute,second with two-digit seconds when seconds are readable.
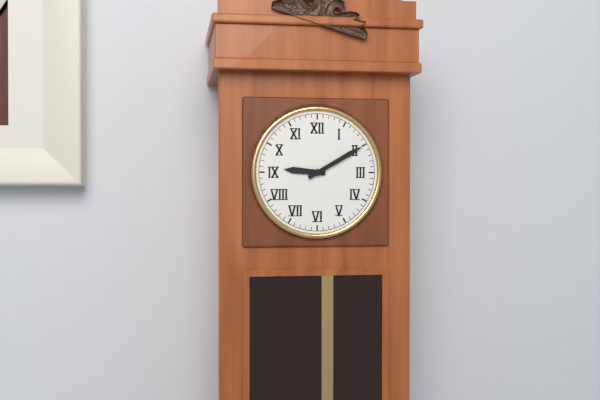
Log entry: 9,10
